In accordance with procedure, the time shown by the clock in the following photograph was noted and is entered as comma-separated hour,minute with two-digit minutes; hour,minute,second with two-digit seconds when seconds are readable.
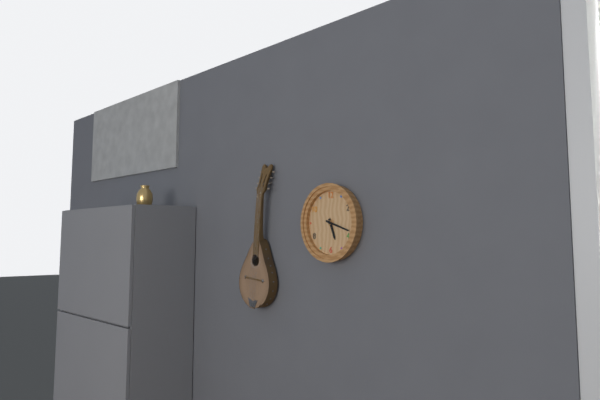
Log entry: 5,18
